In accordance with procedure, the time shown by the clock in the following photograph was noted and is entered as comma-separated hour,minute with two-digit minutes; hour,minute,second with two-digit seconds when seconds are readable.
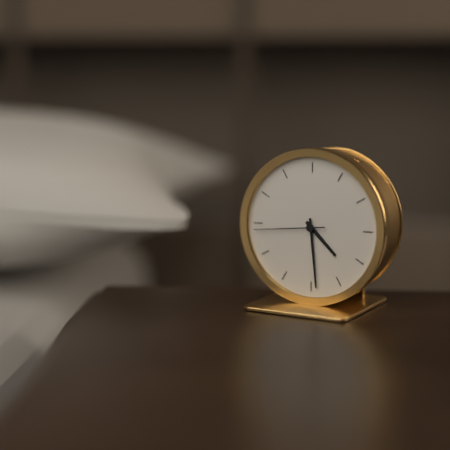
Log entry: 4,29,44
